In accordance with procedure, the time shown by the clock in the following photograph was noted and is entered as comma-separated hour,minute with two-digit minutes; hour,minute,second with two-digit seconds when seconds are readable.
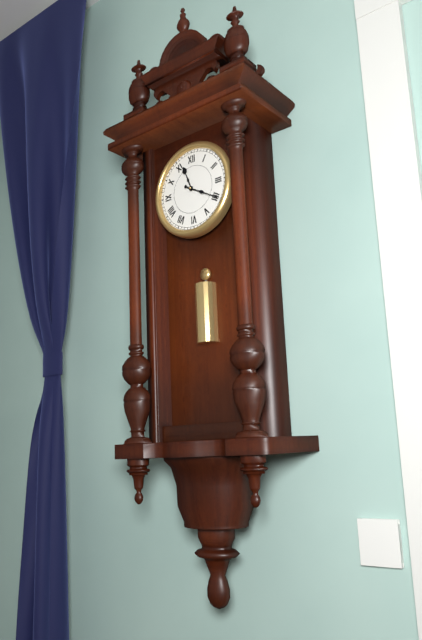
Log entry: 11,20
